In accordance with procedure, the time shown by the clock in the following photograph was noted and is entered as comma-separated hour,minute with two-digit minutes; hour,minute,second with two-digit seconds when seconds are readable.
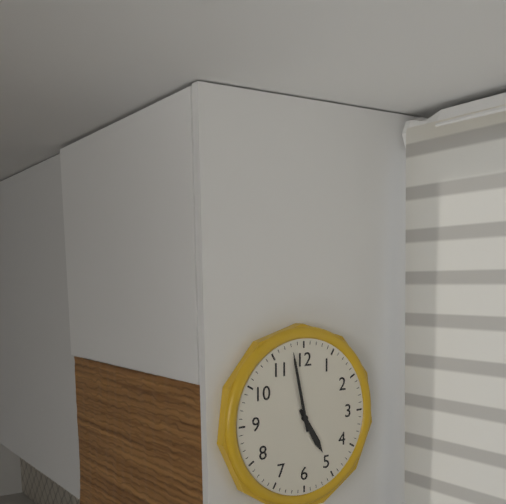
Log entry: 4,58
